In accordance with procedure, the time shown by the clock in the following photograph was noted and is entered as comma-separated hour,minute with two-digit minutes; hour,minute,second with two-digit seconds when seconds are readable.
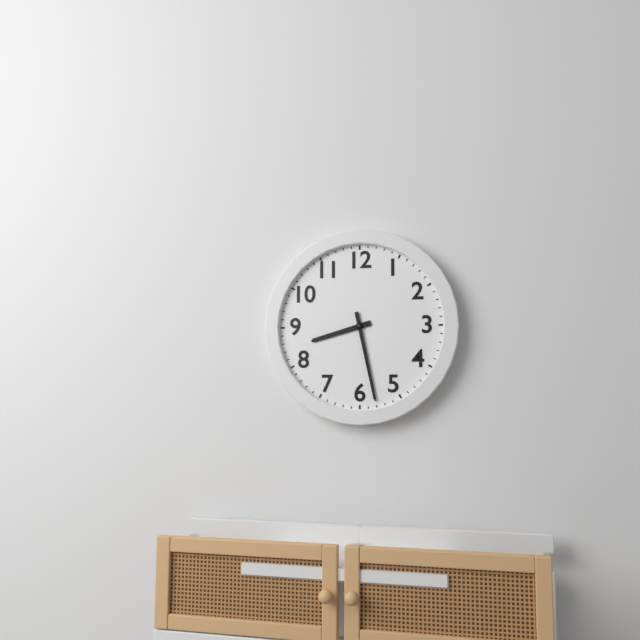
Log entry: 8,28
